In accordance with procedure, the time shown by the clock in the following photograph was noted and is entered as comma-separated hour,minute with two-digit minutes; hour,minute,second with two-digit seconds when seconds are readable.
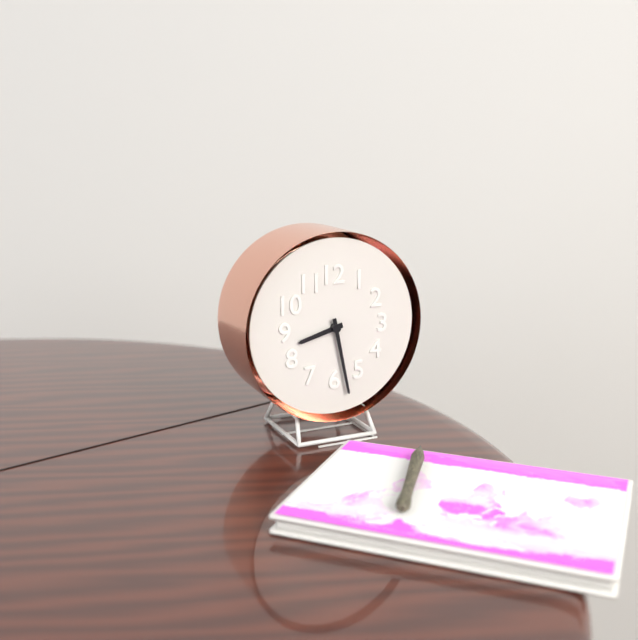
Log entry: 8,28
